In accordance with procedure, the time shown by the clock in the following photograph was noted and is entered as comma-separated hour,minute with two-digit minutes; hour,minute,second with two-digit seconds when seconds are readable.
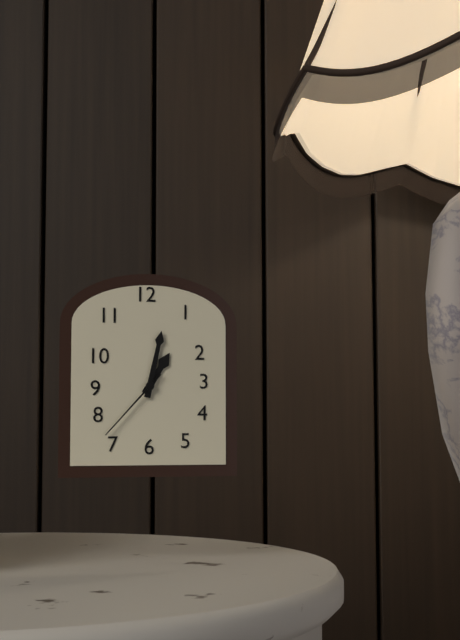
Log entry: 1,02,37
